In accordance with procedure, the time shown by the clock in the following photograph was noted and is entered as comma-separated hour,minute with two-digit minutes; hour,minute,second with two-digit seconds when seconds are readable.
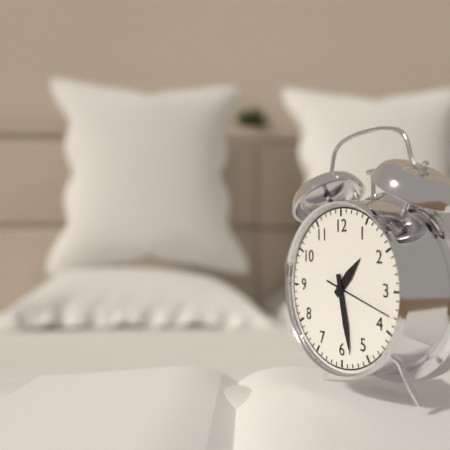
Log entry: 1,28,18
